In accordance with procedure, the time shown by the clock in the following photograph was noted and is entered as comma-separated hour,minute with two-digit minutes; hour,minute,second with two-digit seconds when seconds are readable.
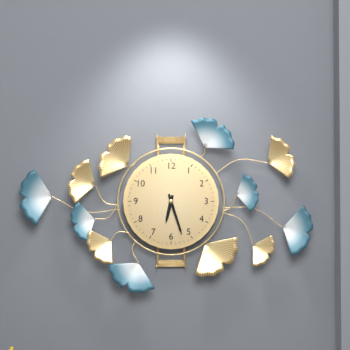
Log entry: 6,27
